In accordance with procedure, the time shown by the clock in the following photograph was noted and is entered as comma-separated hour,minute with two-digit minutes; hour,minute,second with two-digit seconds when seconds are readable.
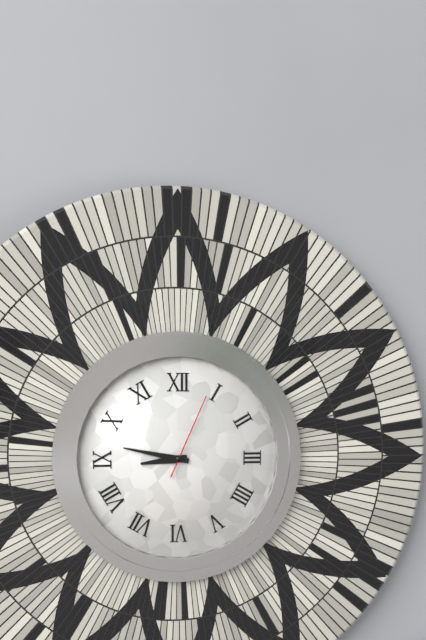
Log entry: 8,47,04
